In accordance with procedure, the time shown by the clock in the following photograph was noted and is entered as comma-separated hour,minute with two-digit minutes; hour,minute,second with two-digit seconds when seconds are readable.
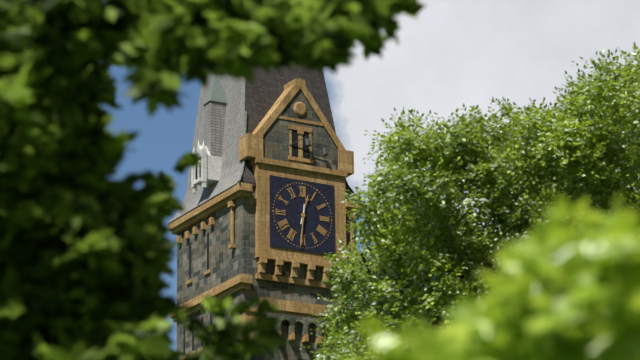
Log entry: 12,31
